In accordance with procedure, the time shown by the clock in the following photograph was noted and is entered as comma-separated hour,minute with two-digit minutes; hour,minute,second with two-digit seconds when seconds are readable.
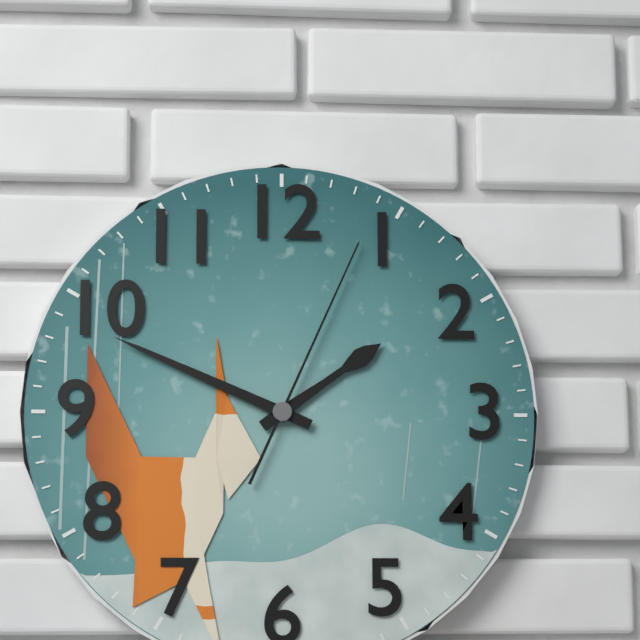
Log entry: 1,49,04
